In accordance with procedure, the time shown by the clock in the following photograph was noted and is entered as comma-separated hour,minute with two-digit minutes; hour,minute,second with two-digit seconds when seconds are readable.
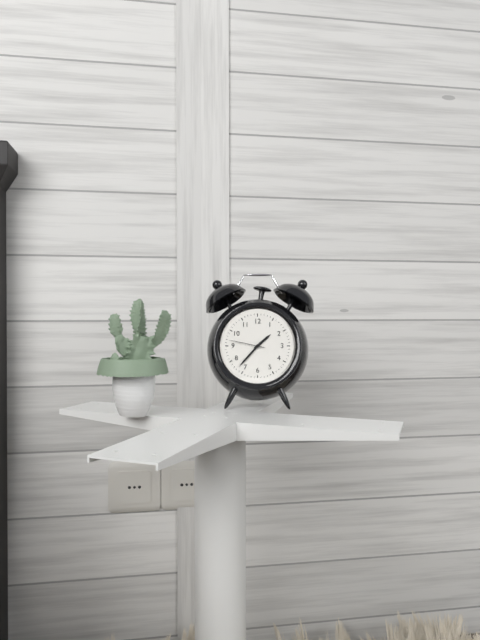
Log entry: 1,37
